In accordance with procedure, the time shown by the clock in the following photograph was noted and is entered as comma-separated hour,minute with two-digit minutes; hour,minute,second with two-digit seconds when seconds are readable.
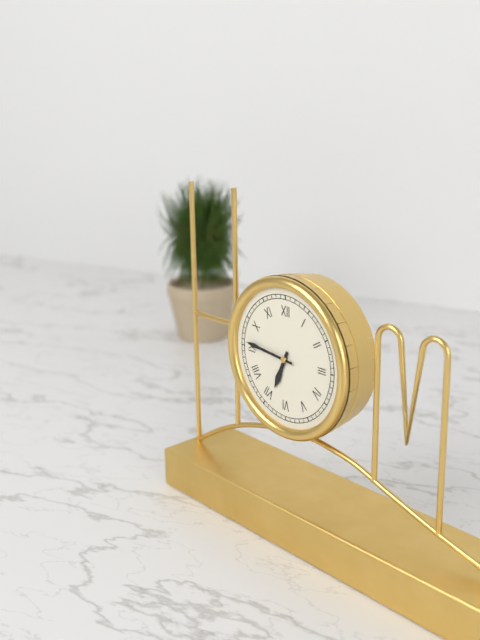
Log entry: 6,46
